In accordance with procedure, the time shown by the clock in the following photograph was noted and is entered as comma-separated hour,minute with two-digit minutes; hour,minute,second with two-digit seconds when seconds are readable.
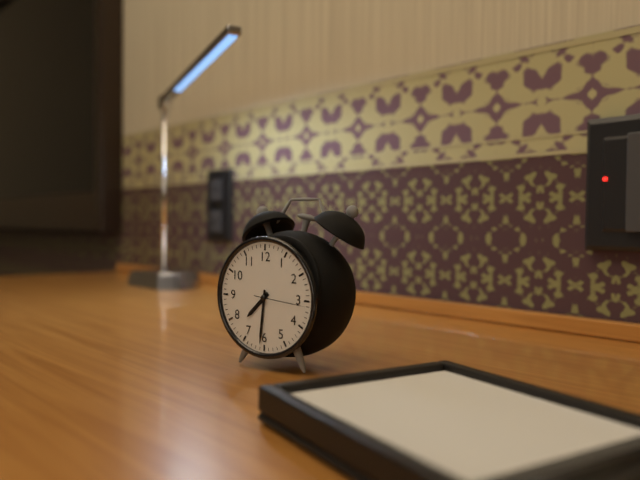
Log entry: 7,31,16
